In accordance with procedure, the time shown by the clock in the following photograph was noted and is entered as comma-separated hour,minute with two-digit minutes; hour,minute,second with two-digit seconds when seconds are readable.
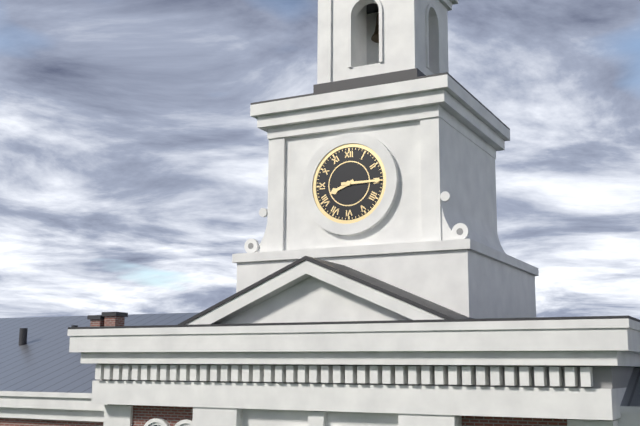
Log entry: 8,15
